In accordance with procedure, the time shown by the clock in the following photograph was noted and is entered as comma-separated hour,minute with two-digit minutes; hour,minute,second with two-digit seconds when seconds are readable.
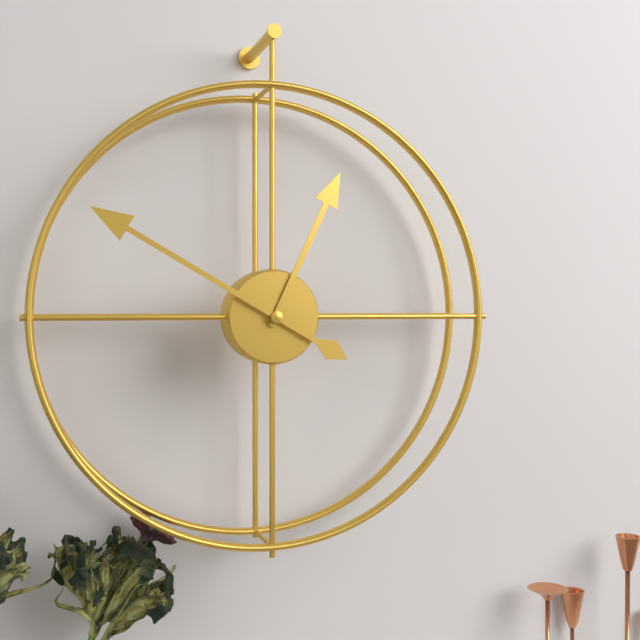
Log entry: 12,50
